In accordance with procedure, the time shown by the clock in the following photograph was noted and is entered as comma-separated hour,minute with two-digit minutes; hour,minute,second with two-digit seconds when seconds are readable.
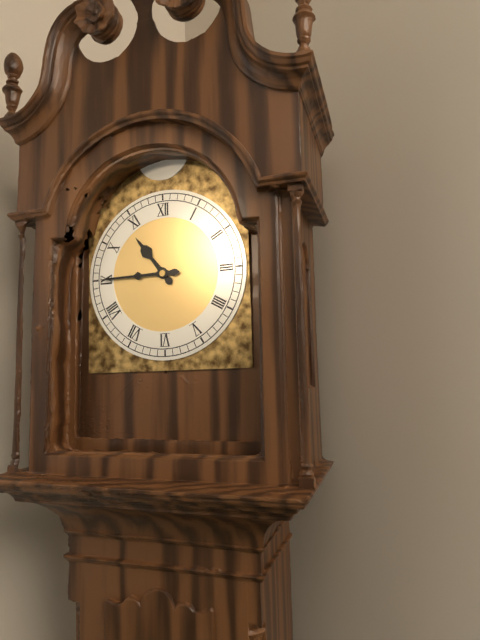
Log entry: 10,45
